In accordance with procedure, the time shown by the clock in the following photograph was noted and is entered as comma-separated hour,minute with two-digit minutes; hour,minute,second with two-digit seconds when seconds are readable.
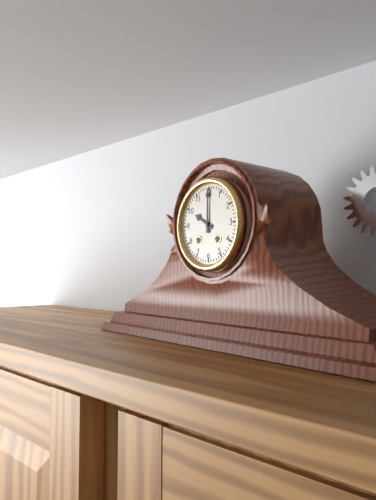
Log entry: 10,00
